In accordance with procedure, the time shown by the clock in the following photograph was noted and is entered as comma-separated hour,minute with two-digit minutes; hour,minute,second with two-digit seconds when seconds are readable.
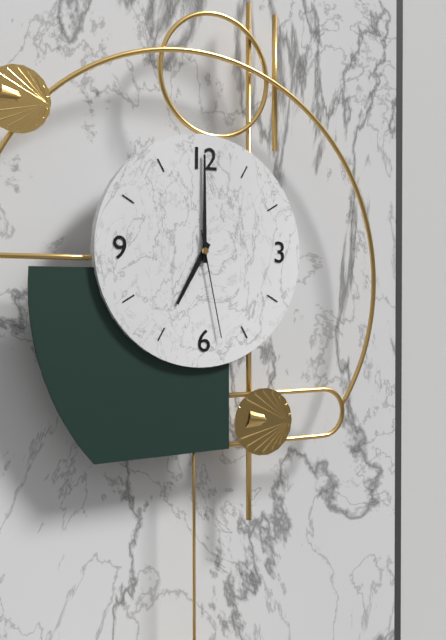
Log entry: 7,00,28
